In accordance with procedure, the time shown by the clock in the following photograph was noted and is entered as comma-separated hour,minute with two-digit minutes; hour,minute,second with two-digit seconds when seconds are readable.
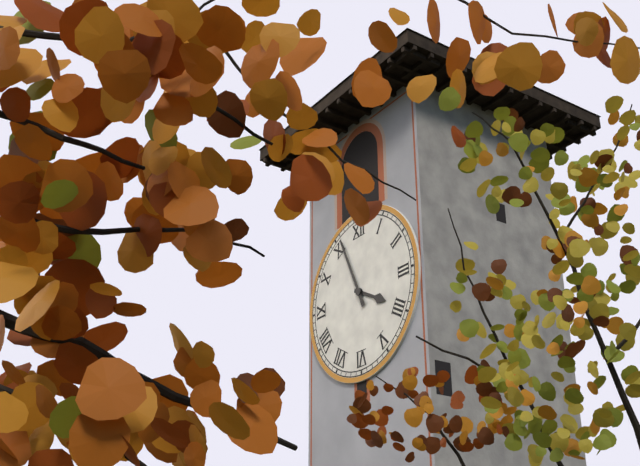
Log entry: 3,56
